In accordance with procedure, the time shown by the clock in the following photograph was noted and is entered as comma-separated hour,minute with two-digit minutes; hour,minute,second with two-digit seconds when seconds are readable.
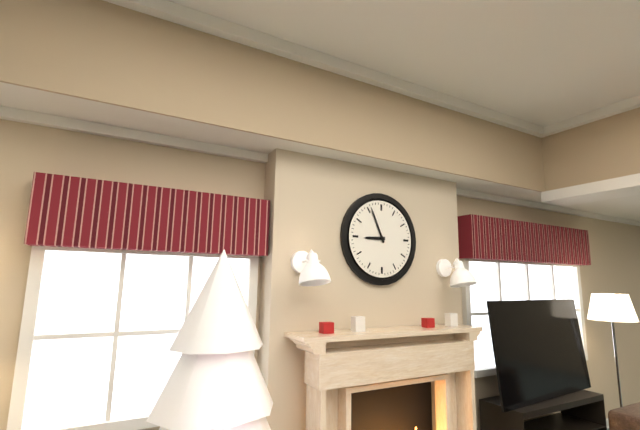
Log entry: 8,56
